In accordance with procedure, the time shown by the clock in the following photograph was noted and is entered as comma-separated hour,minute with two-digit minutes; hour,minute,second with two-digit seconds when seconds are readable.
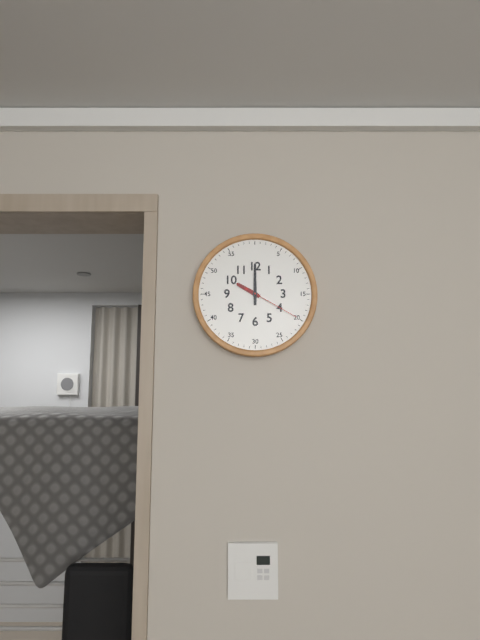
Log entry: 10,00,20
